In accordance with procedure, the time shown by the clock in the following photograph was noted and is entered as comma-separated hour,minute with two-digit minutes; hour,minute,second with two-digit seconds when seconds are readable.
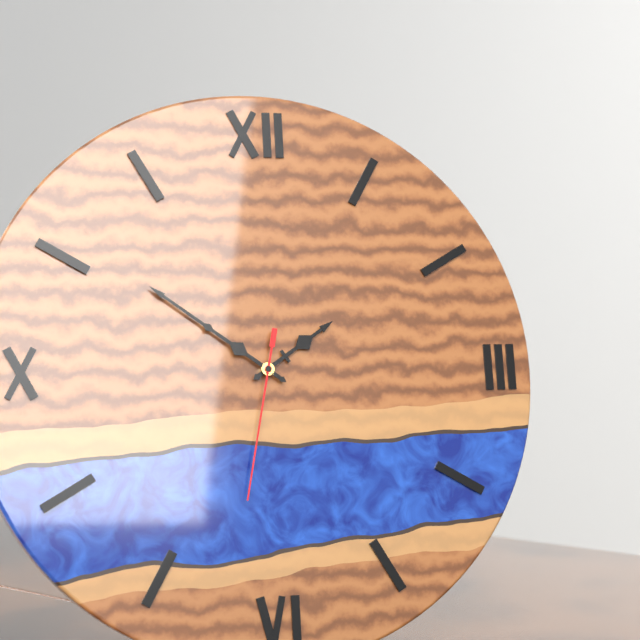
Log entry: 1,51,32
